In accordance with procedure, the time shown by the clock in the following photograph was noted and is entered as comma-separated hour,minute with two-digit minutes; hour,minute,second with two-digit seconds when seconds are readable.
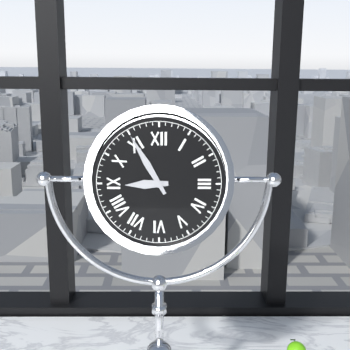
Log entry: 8,55
